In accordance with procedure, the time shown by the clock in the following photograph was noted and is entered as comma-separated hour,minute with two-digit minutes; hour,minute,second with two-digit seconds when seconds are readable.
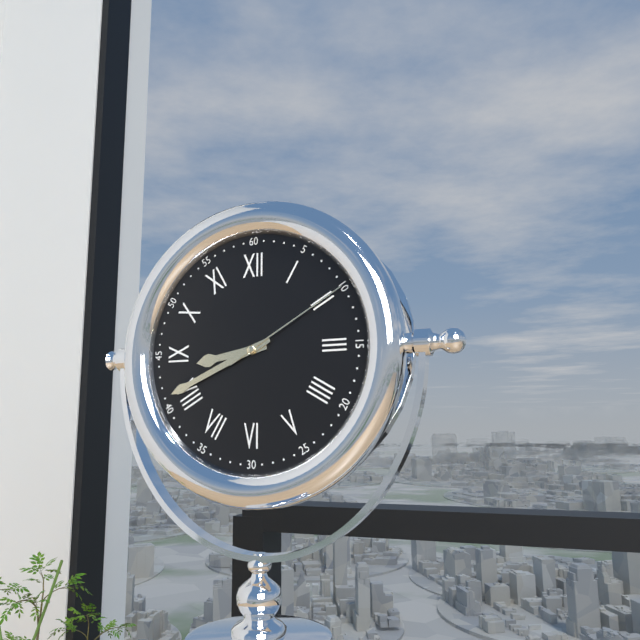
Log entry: 8,41,10
